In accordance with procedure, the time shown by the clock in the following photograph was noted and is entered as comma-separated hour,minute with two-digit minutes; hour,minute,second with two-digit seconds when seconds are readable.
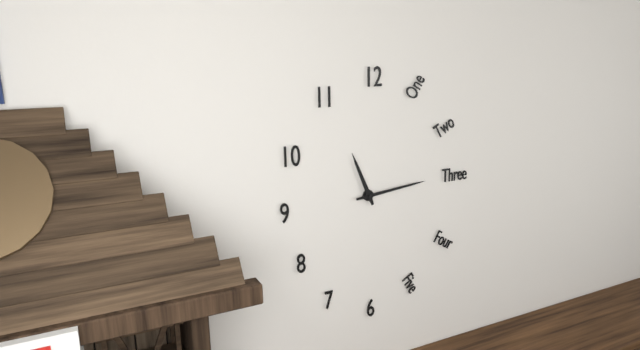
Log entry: 11,14
